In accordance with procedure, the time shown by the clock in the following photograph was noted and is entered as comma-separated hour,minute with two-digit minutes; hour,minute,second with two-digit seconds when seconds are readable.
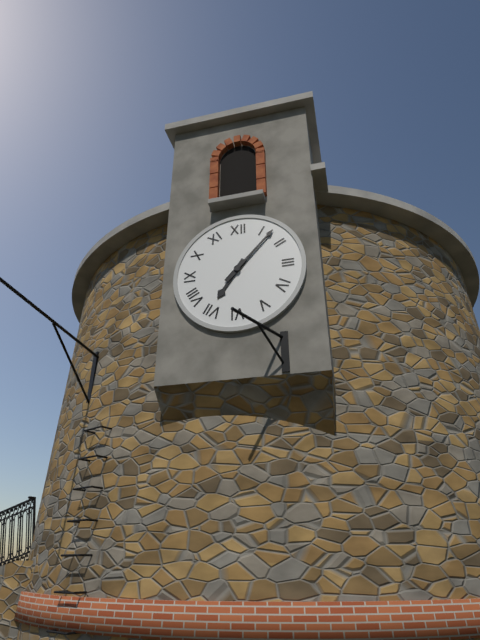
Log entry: 7,07
